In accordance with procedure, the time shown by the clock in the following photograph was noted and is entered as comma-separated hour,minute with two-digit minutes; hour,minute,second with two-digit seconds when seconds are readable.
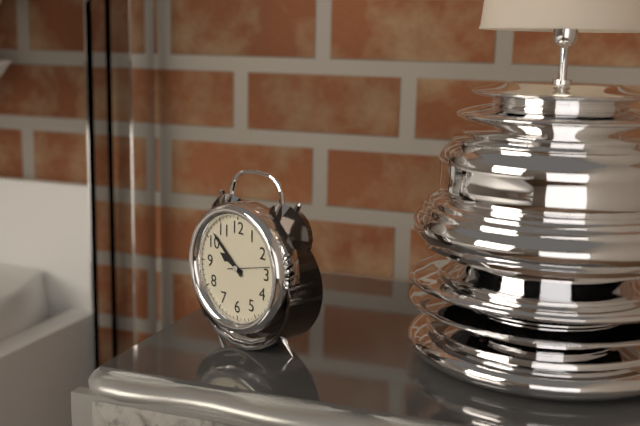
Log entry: 9,52
